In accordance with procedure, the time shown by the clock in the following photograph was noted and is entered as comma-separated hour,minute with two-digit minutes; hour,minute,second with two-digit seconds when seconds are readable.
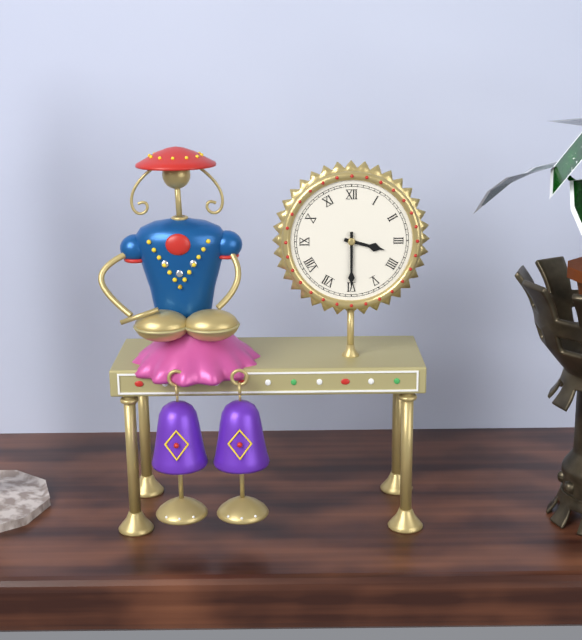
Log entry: 3,30
